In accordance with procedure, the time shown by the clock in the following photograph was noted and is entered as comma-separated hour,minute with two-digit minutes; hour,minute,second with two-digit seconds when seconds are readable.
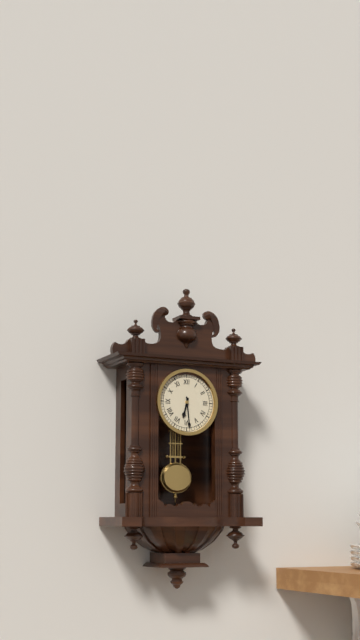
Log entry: 6,29
